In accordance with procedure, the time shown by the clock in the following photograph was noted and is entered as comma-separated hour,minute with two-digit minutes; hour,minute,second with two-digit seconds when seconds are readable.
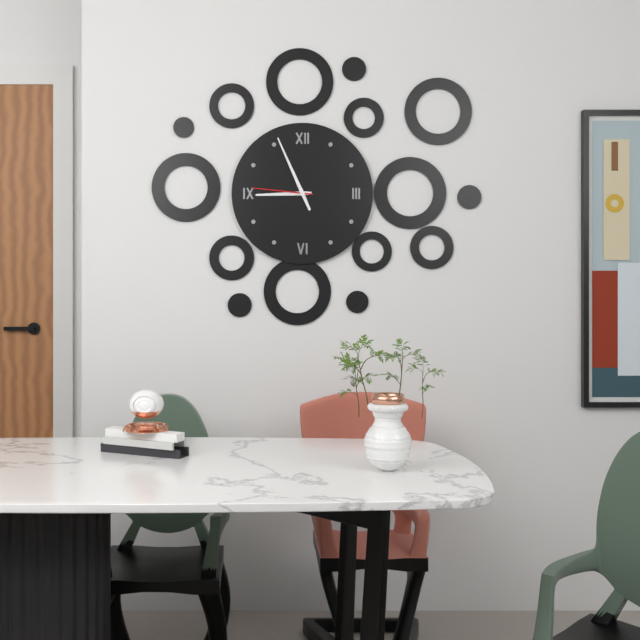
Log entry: 8,56,46
